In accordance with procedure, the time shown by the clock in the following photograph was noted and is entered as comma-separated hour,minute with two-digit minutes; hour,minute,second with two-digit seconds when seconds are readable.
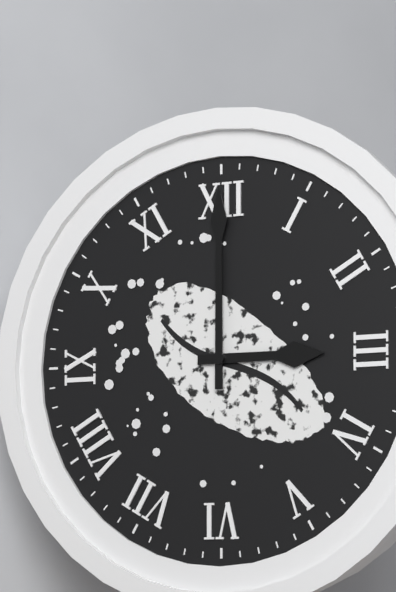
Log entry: 3,00
